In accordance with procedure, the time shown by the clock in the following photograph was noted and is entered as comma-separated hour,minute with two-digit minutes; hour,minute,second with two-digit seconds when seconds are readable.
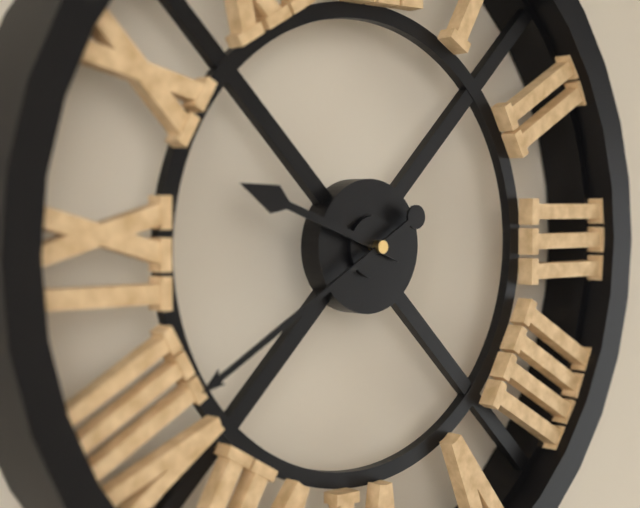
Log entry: 9,40
